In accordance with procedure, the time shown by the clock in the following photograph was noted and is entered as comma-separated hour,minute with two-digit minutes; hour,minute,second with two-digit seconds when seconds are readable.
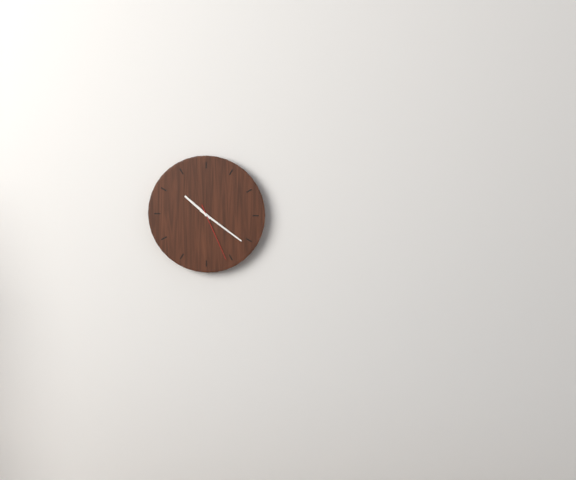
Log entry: 10,21,26
